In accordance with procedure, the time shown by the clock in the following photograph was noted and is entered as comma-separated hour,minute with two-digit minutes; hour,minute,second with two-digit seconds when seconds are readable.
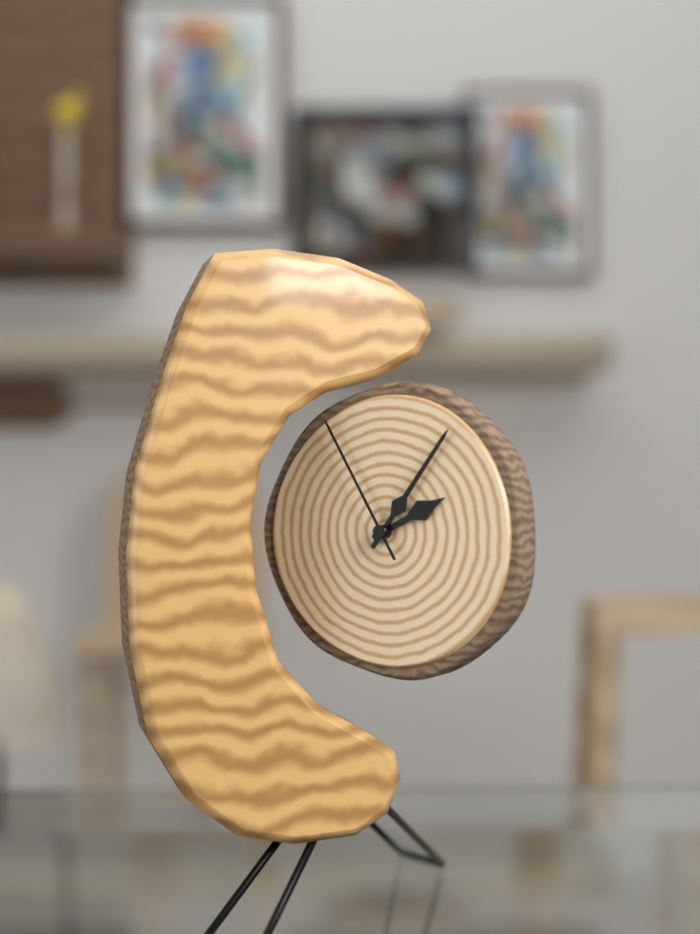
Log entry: 2,06,55
